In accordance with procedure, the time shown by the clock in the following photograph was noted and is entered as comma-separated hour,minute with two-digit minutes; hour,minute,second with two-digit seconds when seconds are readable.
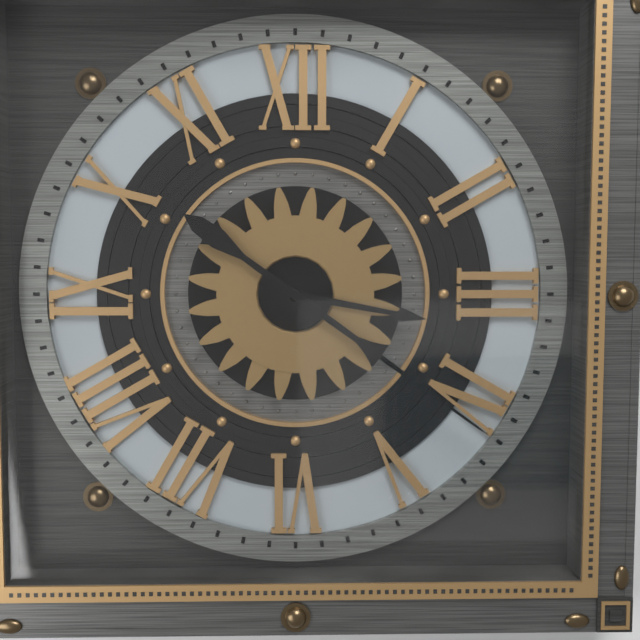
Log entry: 3,21
